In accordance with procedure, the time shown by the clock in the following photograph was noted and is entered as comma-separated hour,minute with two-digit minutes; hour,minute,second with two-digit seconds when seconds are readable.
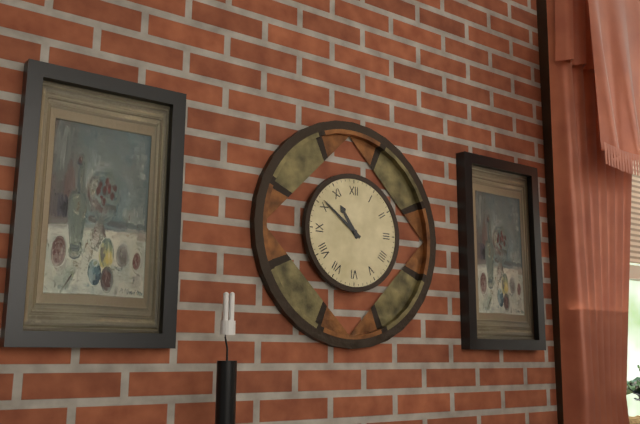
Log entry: 10,51
